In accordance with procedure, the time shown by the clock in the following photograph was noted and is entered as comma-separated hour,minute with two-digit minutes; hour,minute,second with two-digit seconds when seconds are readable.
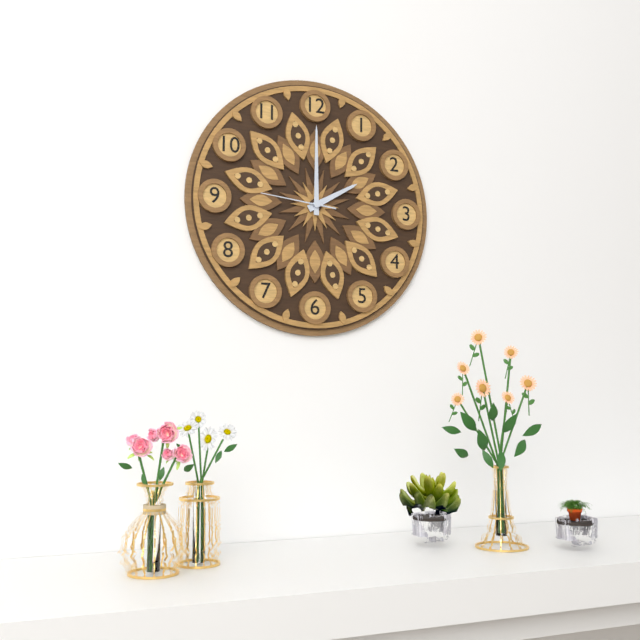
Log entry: 2,00,46
